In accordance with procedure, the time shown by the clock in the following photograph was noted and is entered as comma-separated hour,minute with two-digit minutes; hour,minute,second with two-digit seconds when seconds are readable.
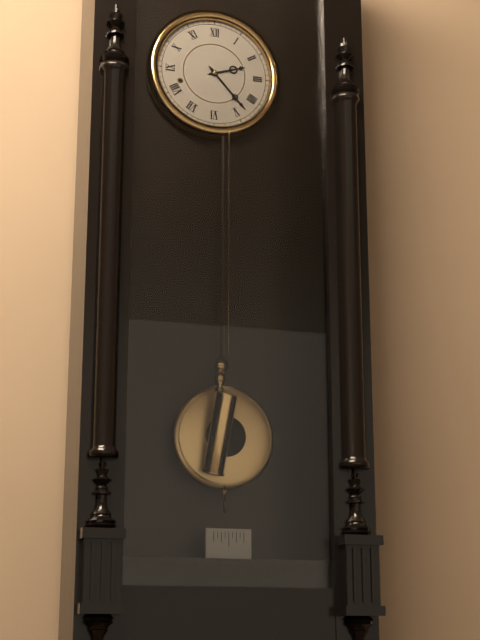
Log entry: 2,23
